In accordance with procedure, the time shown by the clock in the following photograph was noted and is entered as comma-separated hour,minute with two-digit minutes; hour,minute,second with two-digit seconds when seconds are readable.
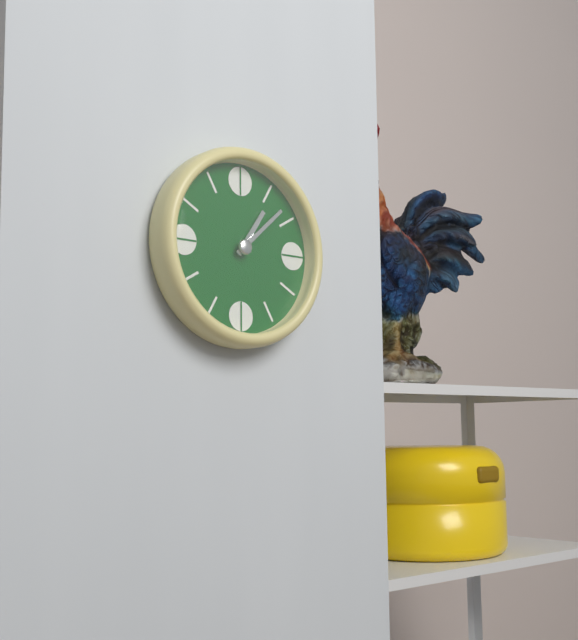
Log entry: 1,08
